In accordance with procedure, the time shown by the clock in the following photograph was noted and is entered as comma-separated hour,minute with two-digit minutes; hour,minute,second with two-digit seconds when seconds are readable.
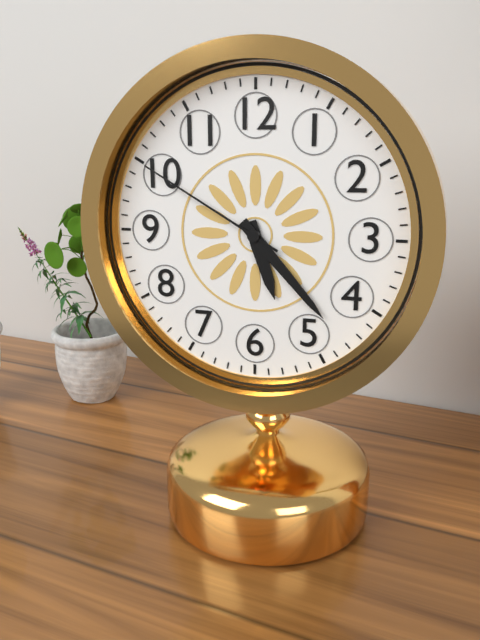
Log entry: 5,23,50
